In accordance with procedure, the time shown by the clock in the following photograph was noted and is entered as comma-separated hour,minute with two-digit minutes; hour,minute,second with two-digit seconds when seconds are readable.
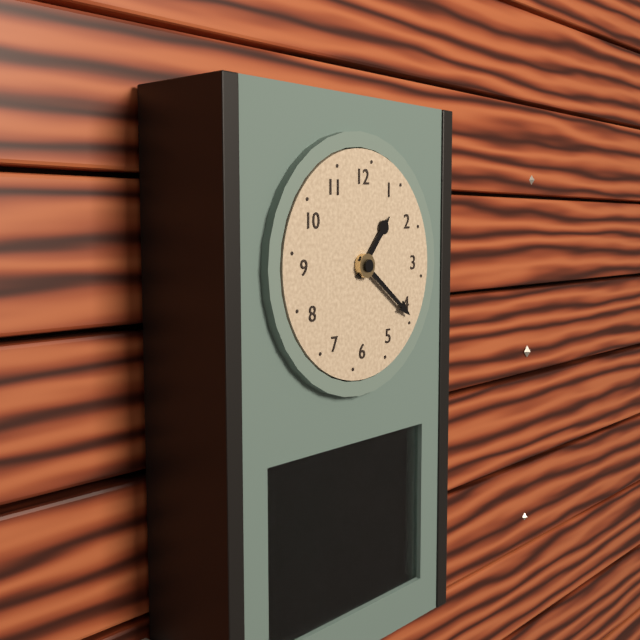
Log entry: 1,21
